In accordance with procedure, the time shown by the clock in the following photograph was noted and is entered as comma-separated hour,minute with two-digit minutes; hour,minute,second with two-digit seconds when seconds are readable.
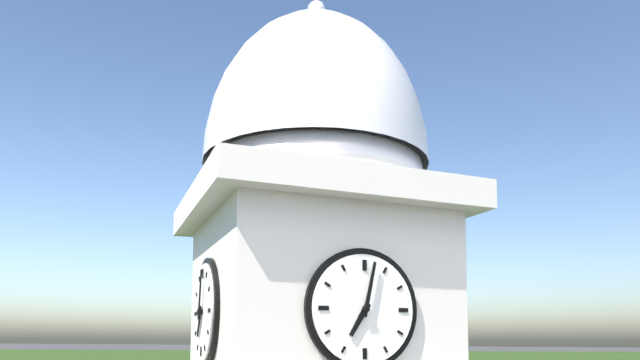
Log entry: 7,02
